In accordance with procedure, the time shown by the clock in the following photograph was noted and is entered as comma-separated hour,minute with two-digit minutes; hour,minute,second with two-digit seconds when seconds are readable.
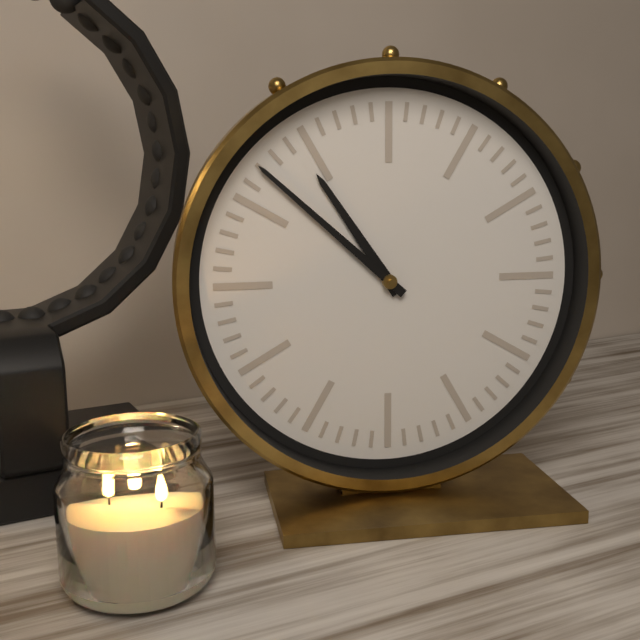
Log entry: 10,52
